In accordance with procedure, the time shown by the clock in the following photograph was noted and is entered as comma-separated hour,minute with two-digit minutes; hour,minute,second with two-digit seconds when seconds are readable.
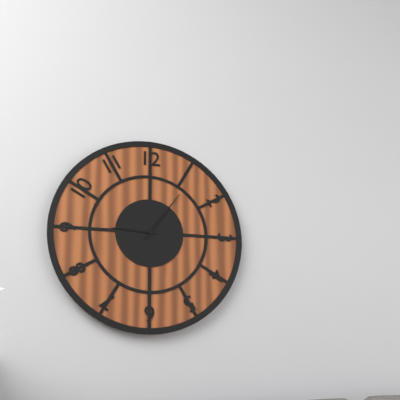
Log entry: 9,06
